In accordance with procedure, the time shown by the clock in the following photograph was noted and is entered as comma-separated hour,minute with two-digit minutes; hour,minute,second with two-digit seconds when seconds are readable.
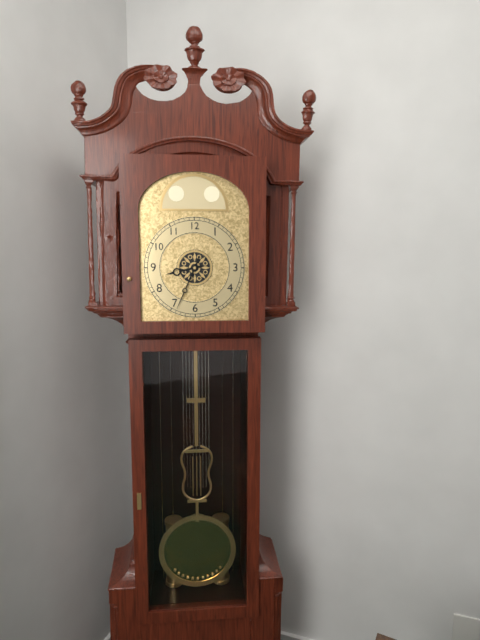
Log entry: 8,34
